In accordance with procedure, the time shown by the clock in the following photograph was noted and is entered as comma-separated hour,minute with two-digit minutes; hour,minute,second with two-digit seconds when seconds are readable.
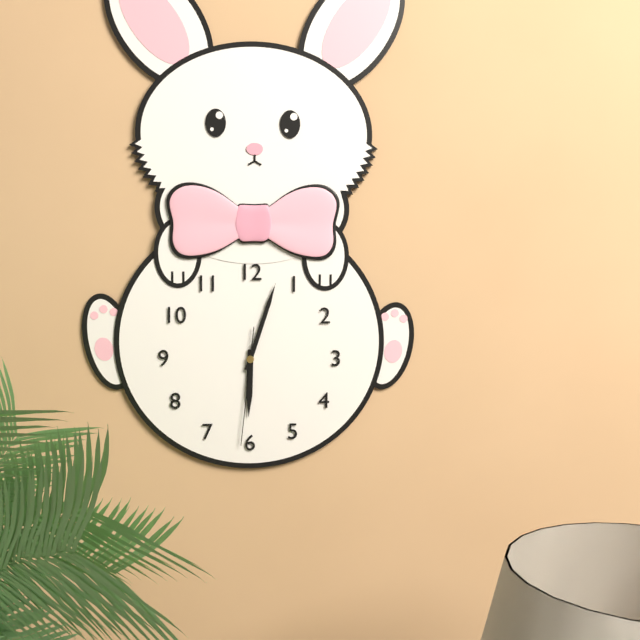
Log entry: 6,03,31
